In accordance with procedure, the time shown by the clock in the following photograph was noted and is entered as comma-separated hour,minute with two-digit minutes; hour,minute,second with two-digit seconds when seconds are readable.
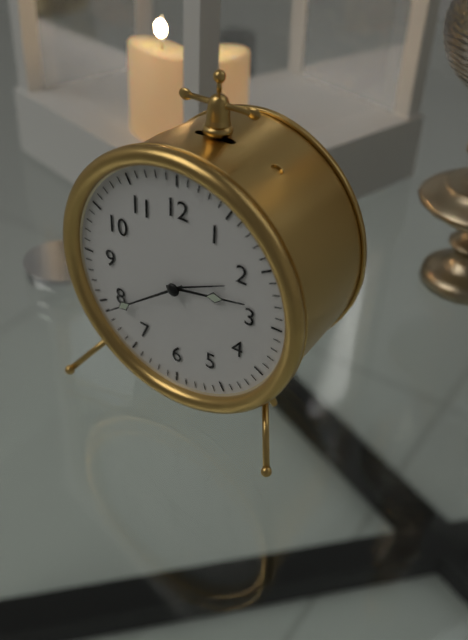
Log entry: 2,39
